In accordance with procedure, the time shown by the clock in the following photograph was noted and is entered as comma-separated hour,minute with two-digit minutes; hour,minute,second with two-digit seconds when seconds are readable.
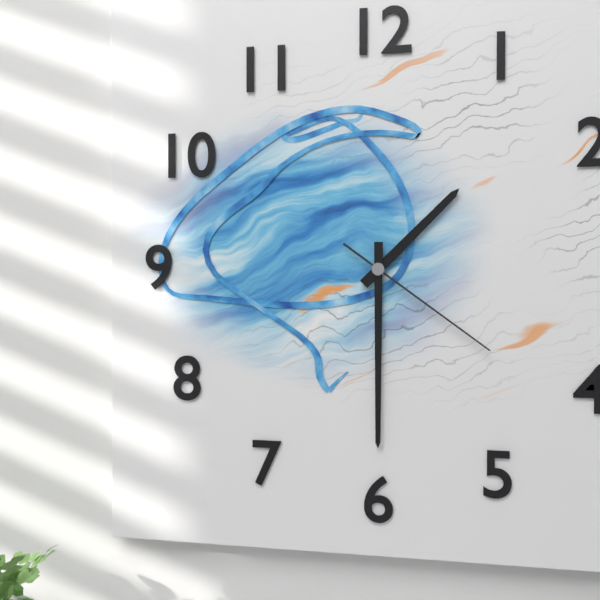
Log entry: 1,30,21
